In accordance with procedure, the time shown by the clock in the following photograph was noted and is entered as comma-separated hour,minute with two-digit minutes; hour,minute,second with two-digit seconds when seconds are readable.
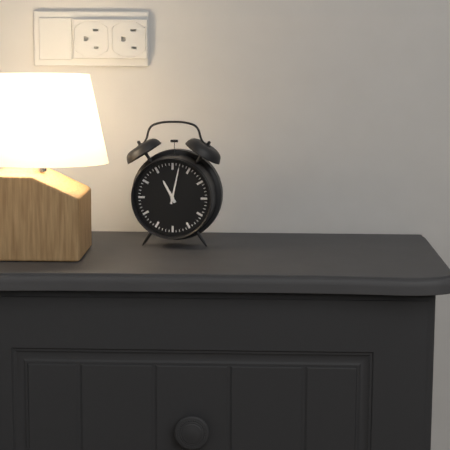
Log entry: 11,02
